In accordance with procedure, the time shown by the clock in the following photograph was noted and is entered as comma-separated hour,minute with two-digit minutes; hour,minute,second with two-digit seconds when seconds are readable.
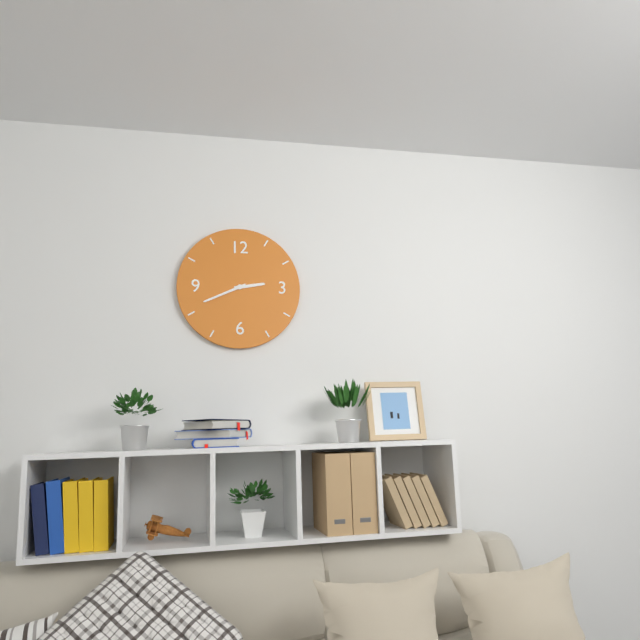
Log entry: 2,41
